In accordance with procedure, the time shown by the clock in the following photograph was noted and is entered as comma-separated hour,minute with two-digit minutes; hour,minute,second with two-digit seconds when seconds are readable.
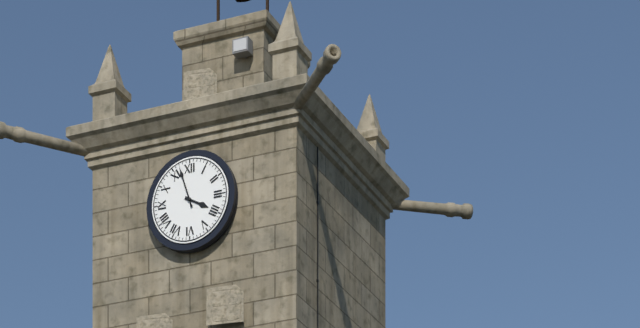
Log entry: 3,57
